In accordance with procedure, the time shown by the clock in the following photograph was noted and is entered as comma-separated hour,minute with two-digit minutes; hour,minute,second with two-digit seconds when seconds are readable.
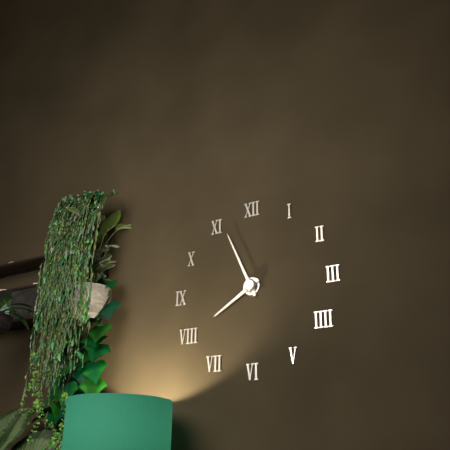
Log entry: 7,56
